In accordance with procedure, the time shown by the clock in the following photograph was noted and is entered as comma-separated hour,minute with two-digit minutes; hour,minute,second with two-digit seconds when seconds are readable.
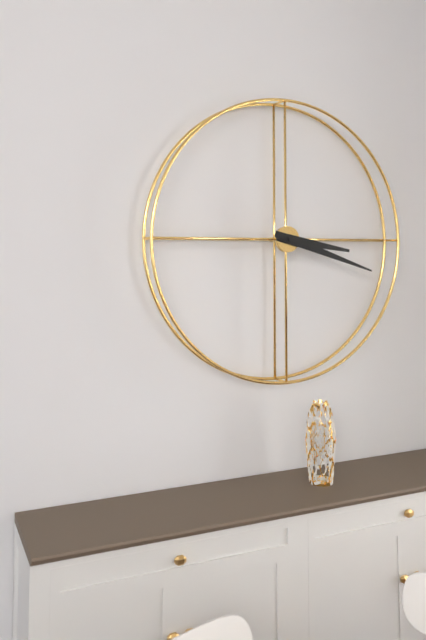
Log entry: 3,18
